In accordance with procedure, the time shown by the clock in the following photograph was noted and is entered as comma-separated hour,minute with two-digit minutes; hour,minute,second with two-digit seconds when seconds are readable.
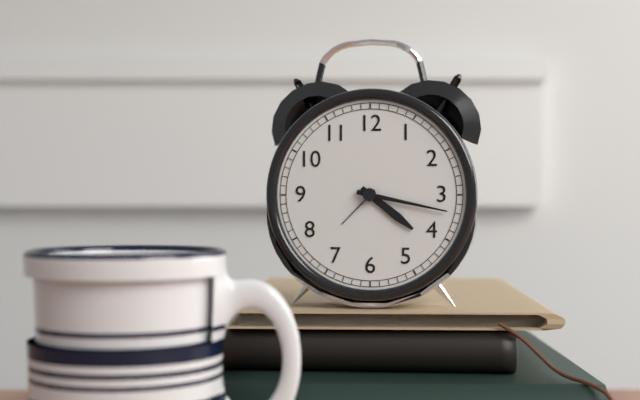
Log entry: 4,17
